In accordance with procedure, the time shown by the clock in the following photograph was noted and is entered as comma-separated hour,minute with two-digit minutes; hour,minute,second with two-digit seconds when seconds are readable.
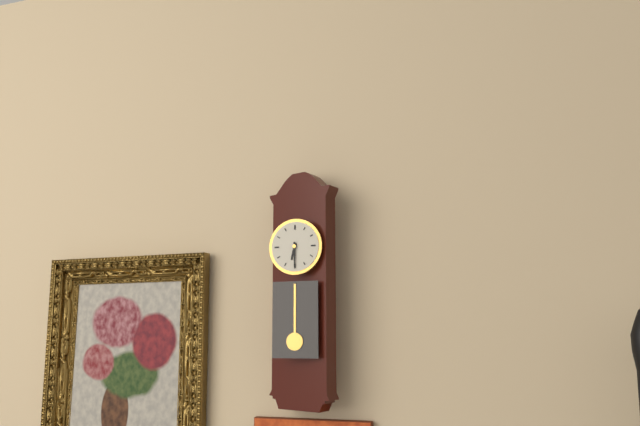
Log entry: 6,30
